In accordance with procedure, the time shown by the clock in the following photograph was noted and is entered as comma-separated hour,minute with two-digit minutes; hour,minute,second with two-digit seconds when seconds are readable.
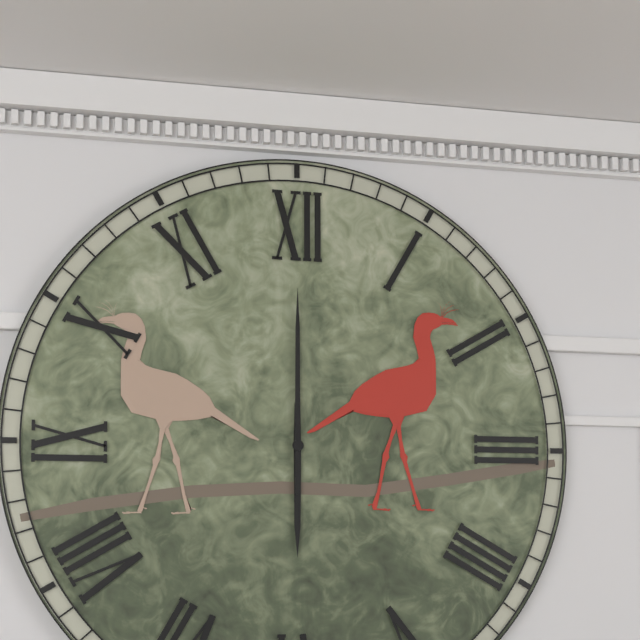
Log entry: 6,00
